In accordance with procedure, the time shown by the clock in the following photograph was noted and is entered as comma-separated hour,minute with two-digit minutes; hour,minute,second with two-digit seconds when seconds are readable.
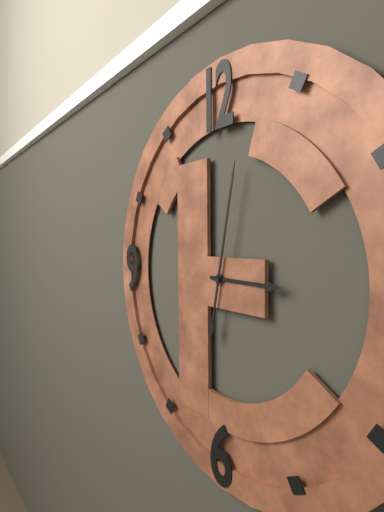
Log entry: 3,02
